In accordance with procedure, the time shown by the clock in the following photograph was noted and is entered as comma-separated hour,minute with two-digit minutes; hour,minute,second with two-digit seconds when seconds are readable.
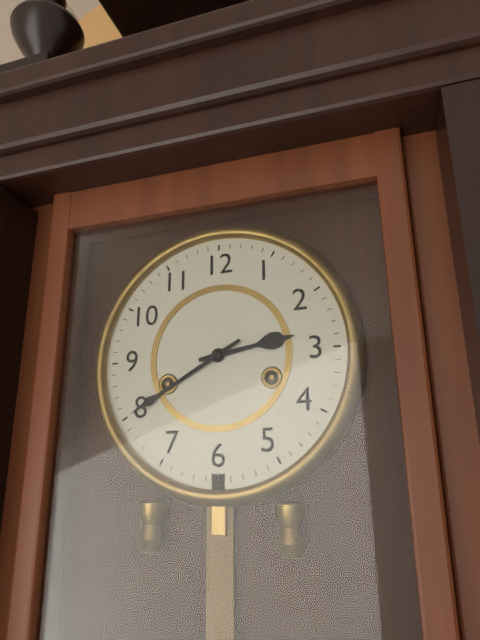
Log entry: 2,40
